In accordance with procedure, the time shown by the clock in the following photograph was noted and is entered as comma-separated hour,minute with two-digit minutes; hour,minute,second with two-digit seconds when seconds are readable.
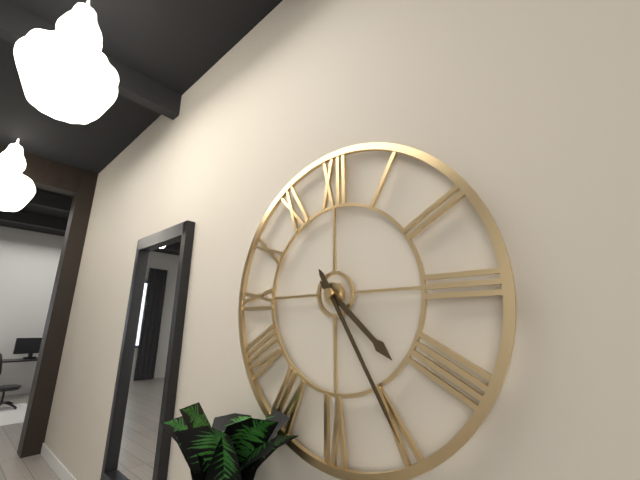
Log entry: 4,25
